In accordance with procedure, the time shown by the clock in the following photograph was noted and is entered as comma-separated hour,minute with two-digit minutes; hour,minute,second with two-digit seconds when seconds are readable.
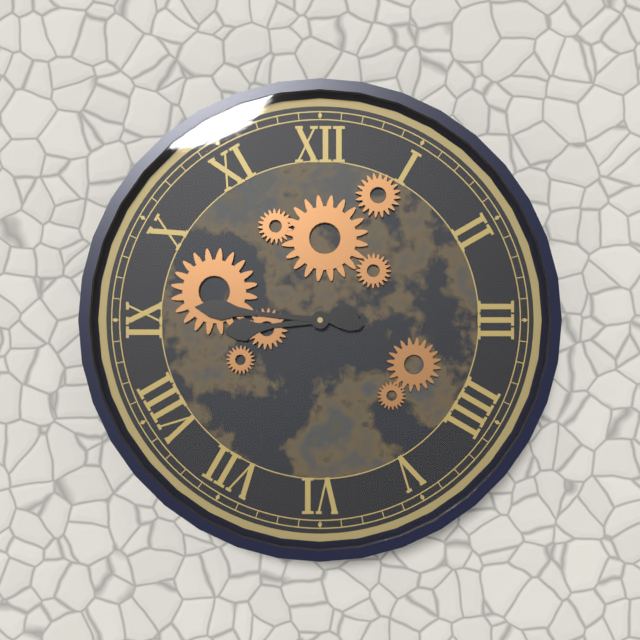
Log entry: 8,46
